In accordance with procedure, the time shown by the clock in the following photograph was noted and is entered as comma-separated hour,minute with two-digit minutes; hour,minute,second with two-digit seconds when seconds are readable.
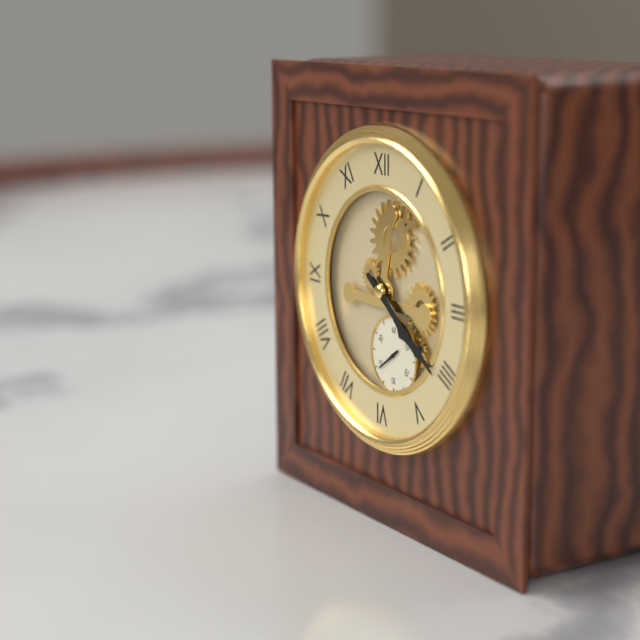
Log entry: 4,21
